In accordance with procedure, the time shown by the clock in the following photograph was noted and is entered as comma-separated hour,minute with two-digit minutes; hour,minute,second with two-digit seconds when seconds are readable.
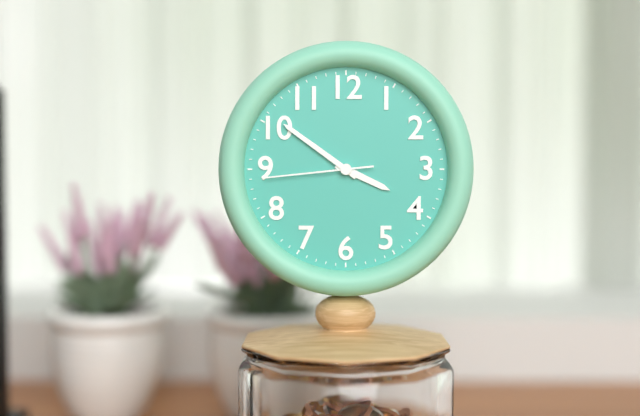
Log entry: 3,51,44
